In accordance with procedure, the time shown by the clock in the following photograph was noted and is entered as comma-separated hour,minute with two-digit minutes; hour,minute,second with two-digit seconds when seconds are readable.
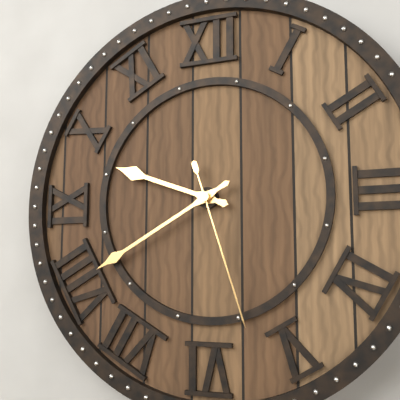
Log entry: 9,40,27
